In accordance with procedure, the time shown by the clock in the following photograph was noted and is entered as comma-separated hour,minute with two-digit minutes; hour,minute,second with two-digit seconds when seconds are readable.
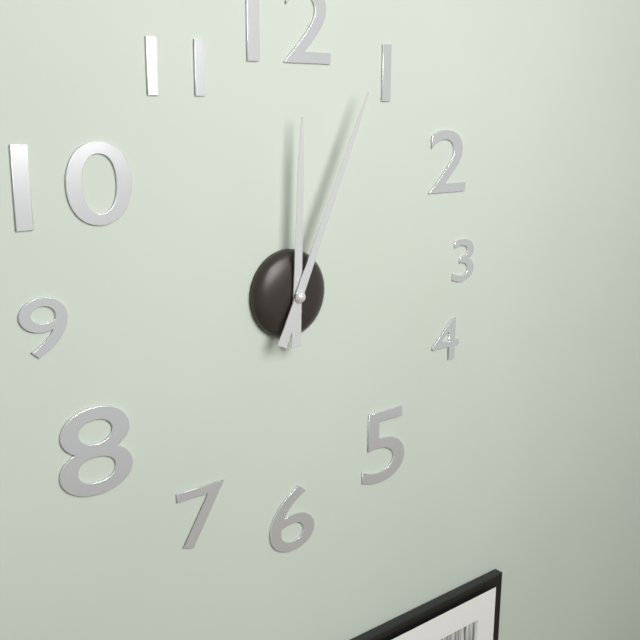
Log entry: 12,04
